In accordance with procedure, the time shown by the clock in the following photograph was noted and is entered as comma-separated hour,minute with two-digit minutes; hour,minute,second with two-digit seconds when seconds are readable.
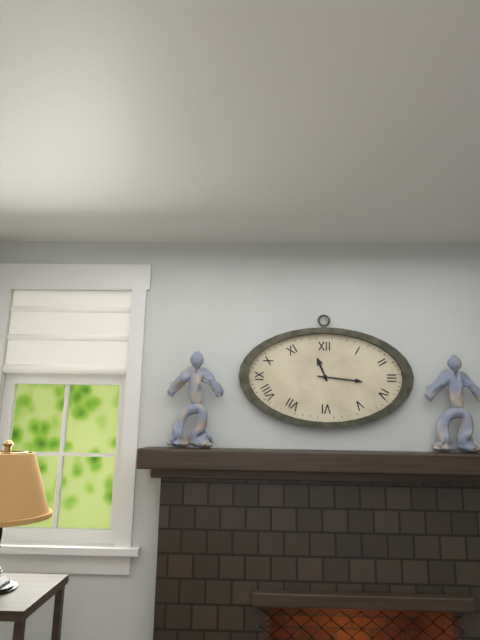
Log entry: 11,16
